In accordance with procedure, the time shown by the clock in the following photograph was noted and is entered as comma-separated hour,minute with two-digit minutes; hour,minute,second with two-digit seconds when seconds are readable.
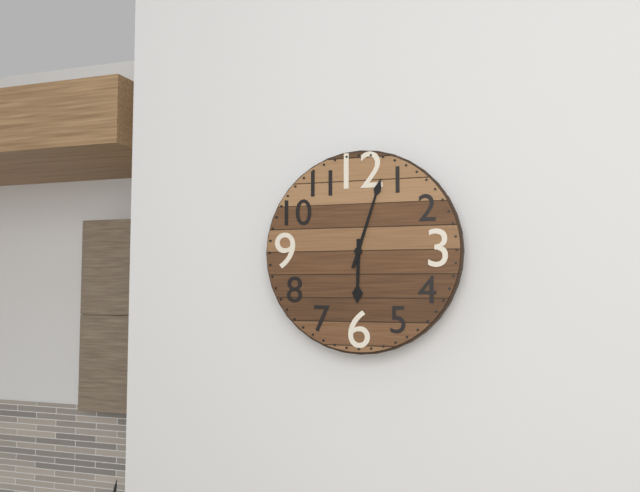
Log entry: 6,03
